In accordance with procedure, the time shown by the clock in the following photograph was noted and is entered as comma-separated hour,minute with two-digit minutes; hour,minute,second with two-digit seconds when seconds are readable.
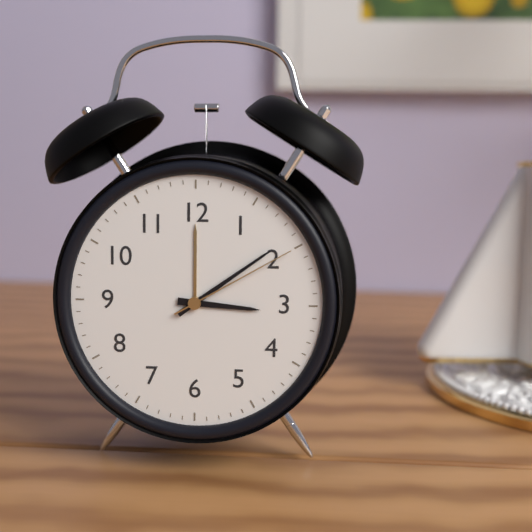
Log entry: 3,09,10
